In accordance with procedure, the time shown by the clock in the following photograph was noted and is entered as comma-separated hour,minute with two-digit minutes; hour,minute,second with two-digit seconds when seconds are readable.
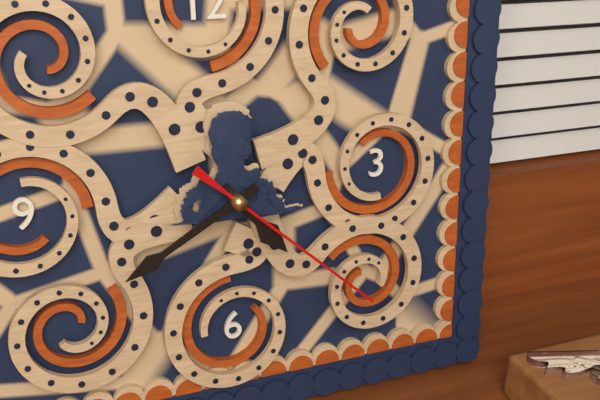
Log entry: 4,40,22
